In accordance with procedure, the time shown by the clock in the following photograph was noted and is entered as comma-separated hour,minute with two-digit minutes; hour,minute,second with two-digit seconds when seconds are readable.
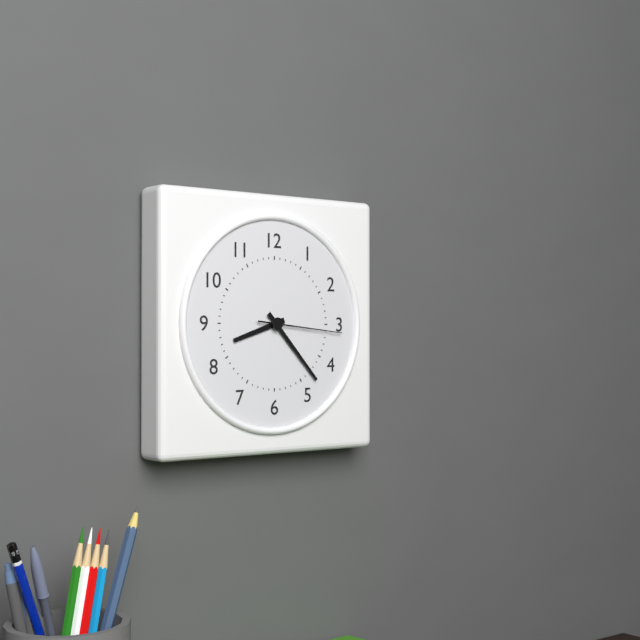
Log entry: 8,23,16
